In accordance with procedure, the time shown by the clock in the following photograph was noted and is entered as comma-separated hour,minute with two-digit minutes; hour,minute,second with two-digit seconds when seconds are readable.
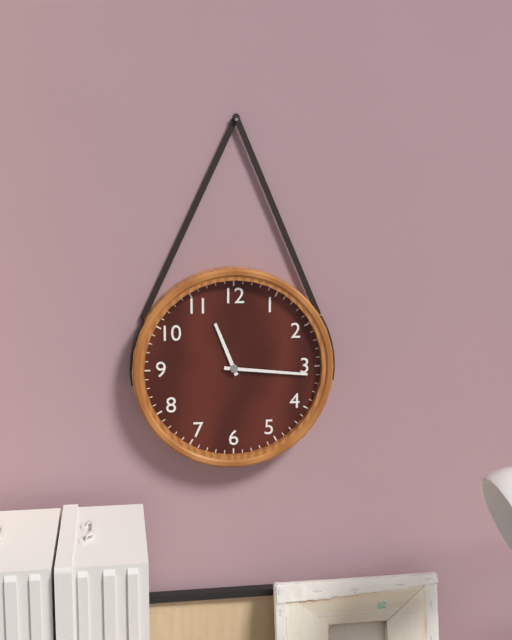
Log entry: 11,16
